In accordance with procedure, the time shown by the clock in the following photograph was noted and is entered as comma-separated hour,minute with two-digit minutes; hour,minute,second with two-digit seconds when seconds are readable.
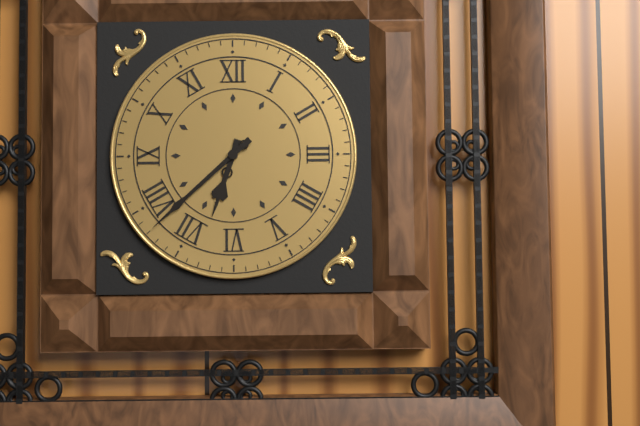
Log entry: 6,38
